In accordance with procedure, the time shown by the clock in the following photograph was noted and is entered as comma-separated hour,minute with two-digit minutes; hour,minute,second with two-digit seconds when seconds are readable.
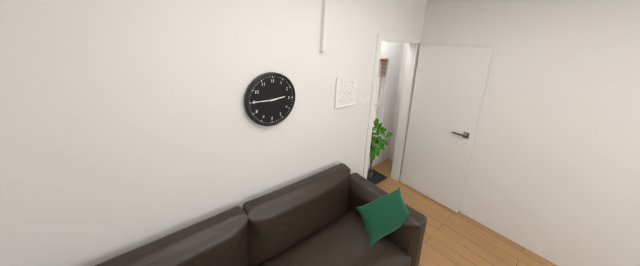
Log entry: 2,45
